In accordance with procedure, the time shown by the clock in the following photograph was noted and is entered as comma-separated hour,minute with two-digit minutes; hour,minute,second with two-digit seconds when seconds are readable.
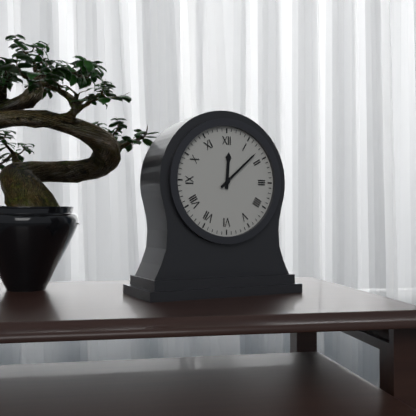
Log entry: 12,08
